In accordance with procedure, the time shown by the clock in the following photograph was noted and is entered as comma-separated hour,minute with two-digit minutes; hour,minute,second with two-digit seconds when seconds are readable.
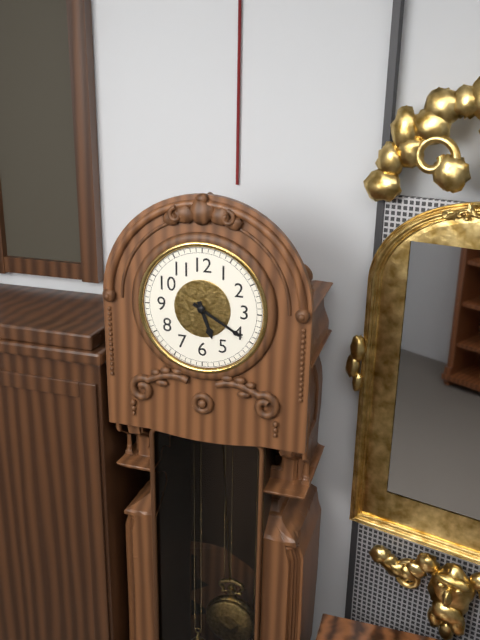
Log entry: 5,20
